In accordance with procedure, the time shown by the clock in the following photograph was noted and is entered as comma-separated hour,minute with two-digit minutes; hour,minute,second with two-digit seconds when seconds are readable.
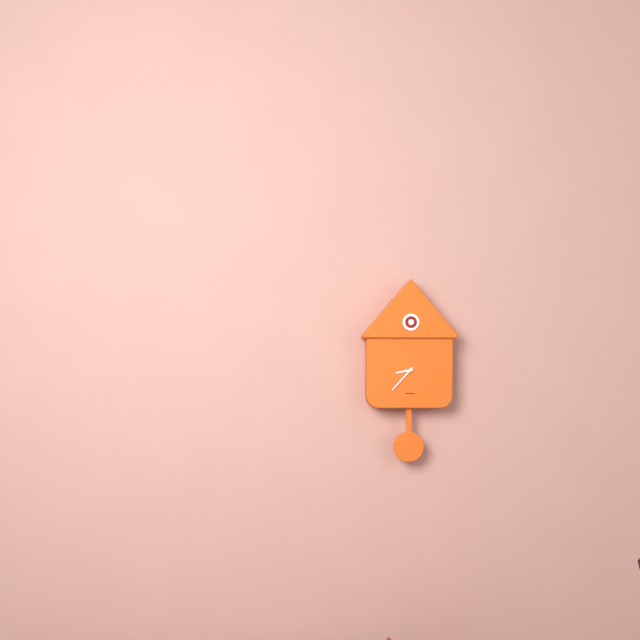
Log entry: 8,37
